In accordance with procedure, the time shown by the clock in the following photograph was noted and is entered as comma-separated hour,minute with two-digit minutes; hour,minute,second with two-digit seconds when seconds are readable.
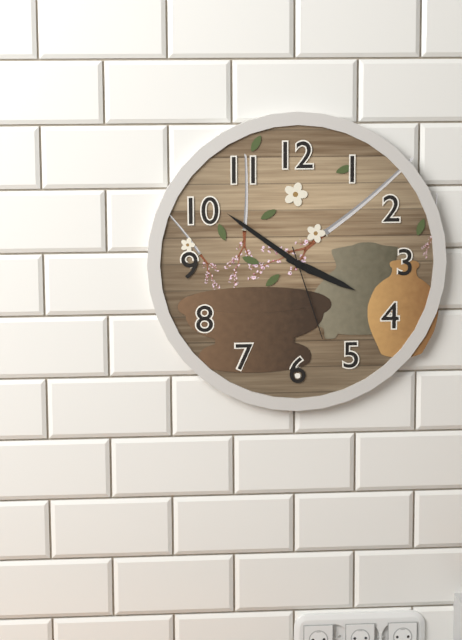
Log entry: 3,51,27
